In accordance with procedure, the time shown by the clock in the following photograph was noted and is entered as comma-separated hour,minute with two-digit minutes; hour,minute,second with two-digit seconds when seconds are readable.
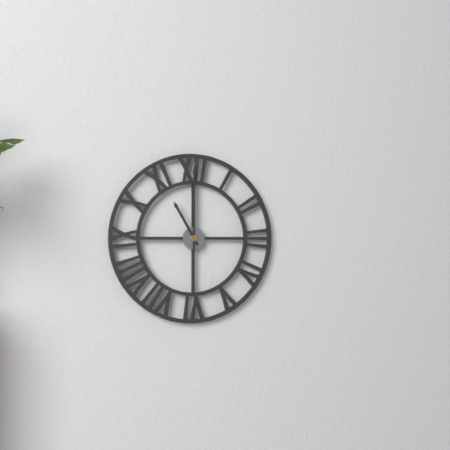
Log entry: 11,00
